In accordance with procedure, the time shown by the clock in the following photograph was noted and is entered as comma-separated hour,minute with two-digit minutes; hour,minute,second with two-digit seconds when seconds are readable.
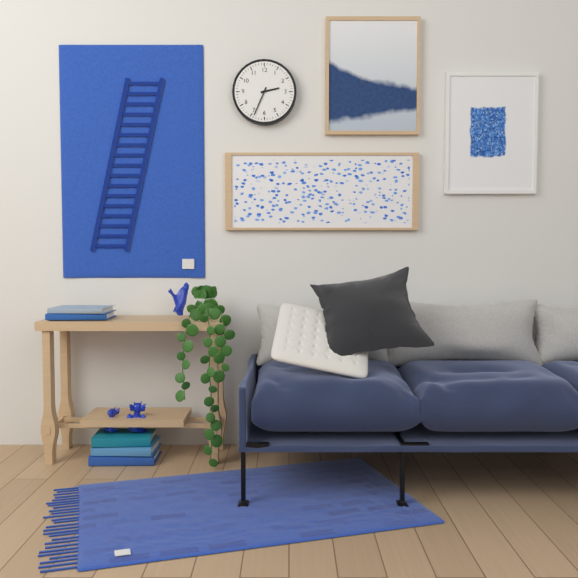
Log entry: 2,34
